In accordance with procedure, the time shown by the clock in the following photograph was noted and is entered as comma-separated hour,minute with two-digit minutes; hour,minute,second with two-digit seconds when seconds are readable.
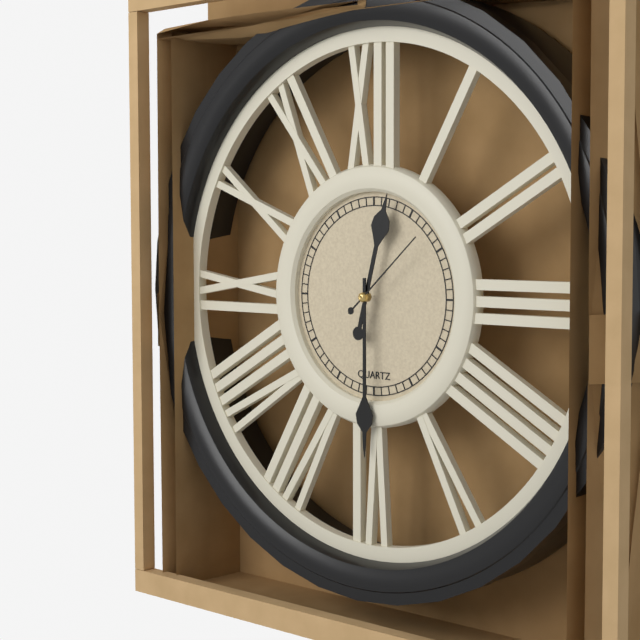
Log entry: 12,30,08
